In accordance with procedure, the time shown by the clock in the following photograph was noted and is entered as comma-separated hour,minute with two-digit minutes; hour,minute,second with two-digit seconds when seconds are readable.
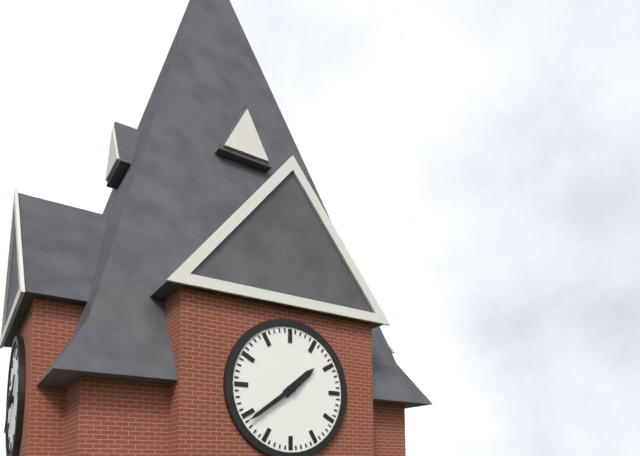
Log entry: 1,39
